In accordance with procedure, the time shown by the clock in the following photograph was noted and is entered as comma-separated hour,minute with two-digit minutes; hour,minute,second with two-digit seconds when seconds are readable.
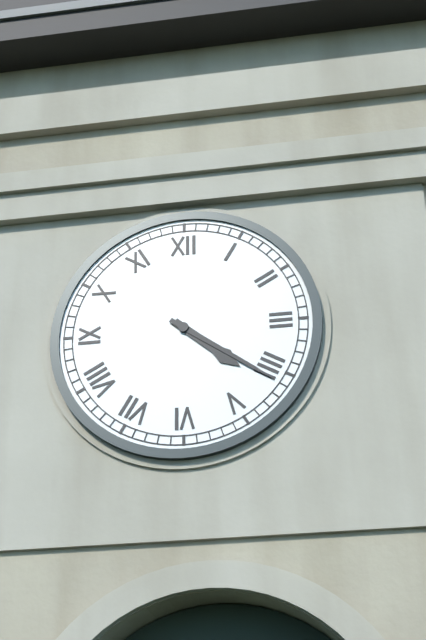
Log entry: 4,21
